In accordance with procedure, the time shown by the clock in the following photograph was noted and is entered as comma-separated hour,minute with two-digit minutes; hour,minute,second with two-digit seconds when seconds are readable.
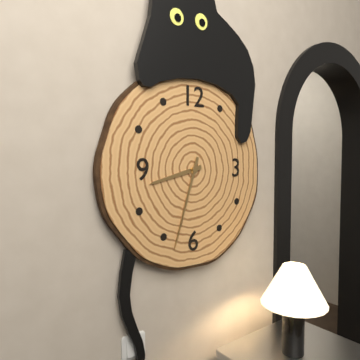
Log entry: 8,33
